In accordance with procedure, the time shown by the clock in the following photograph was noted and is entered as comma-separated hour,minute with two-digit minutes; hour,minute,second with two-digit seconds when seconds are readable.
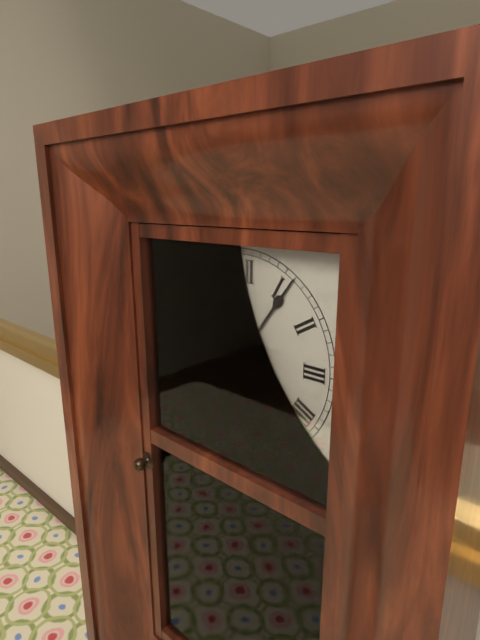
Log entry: 11,06
